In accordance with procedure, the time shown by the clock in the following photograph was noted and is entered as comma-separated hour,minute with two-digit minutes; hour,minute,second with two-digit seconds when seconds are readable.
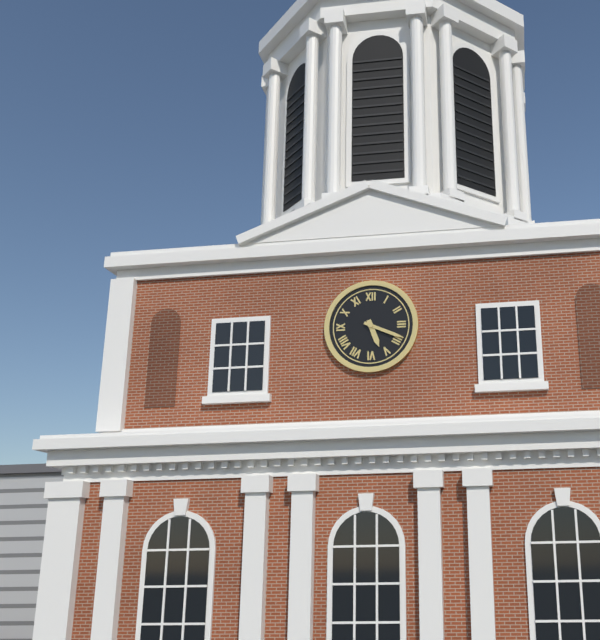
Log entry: 5,19
